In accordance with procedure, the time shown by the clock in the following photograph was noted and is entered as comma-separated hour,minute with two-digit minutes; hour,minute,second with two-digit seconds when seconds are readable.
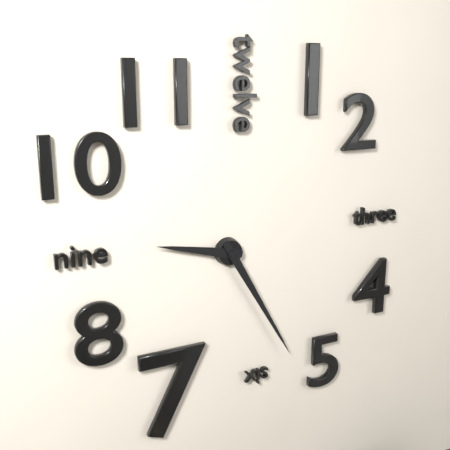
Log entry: 9,25
